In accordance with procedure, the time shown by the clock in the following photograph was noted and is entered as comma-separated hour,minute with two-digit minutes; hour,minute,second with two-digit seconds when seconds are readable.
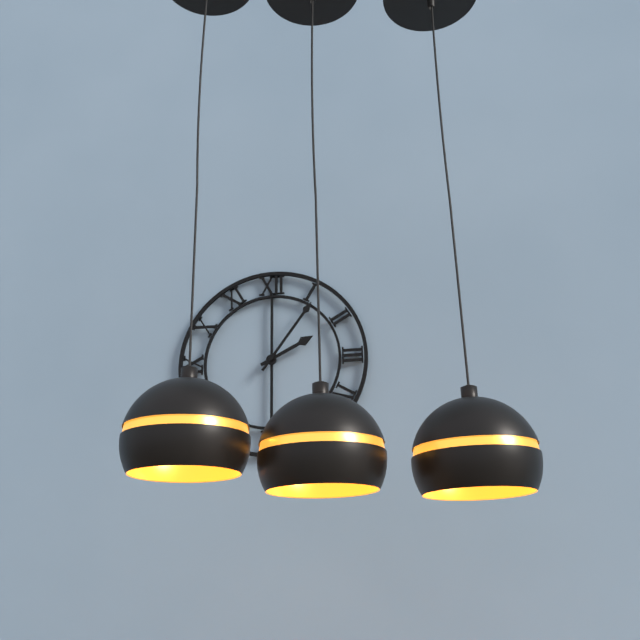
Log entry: 2,06
